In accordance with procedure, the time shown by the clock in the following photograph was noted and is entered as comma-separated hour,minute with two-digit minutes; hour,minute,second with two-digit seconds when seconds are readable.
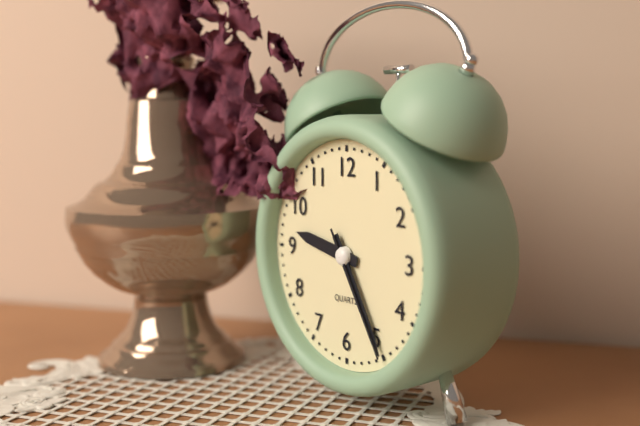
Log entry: 9,25,25
